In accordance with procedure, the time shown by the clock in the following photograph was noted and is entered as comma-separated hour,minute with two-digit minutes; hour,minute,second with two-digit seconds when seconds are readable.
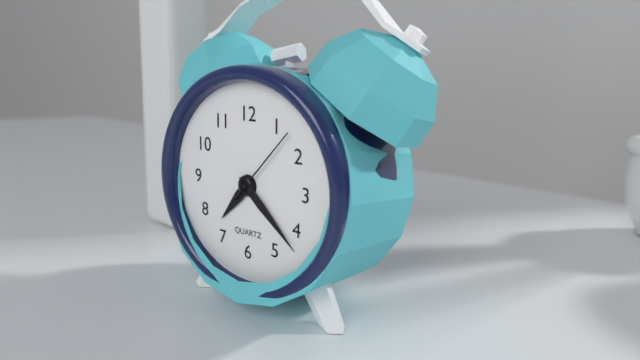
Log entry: 7,22,07
